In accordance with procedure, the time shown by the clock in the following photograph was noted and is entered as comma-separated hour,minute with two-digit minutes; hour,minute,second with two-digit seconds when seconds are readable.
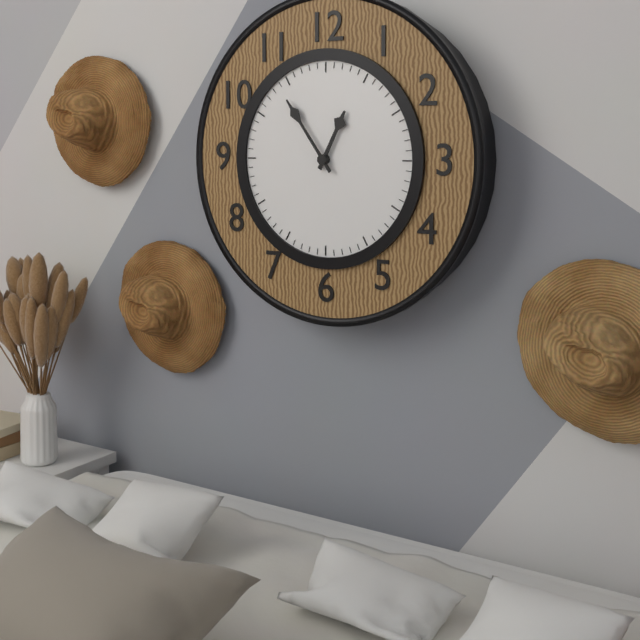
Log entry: 12,54
